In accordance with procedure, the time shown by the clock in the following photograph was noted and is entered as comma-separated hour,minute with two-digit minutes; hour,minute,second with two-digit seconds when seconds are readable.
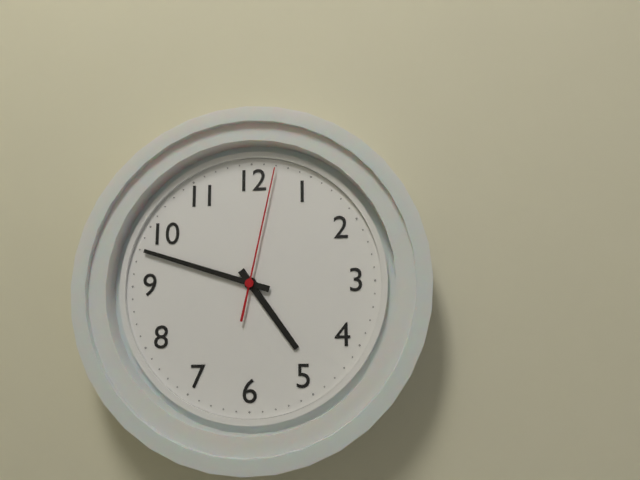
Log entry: 4,48,02
